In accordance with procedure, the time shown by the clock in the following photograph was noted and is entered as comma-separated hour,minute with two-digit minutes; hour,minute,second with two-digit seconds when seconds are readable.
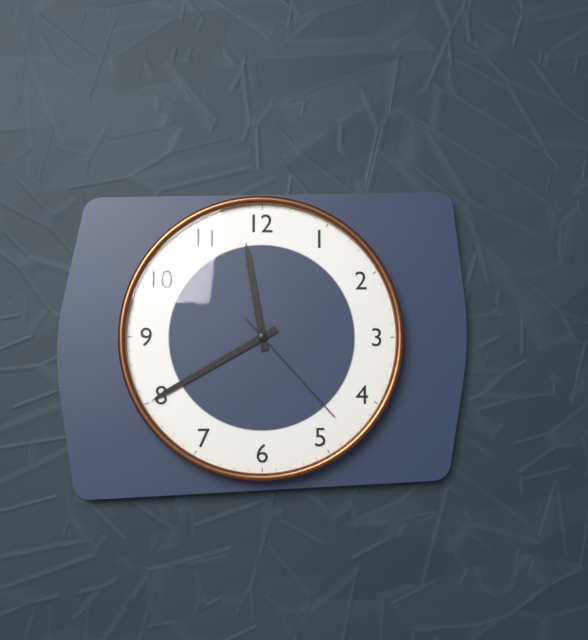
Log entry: 11,40,23
